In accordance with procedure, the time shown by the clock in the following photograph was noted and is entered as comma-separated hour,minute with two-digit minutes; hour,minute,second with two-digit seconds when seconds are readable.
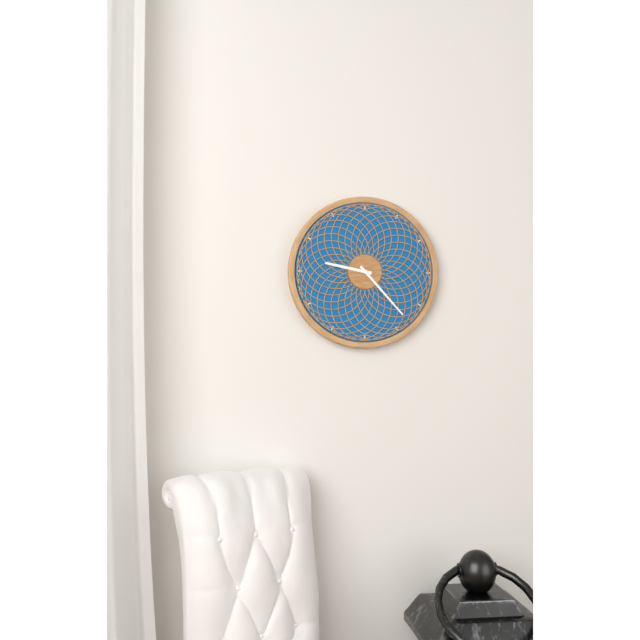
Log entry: 9,23
